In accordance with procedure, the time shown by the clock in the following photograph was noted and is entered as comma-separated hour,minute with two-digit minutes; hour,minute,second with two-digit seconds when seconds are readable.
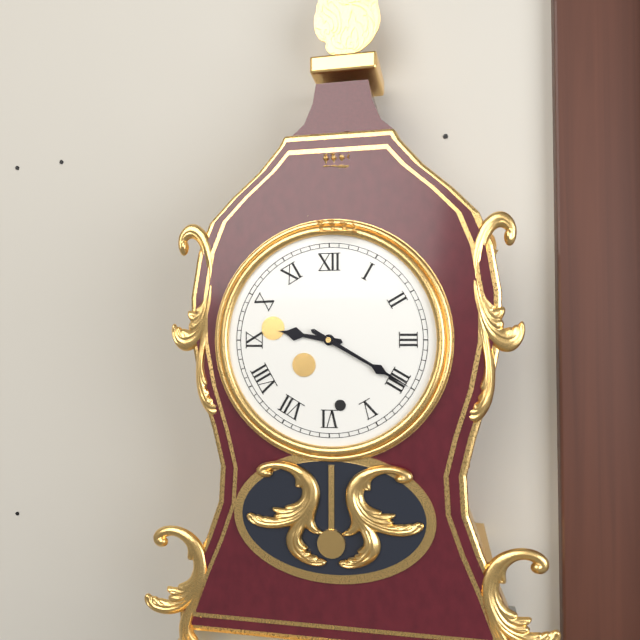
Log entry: 9,20
